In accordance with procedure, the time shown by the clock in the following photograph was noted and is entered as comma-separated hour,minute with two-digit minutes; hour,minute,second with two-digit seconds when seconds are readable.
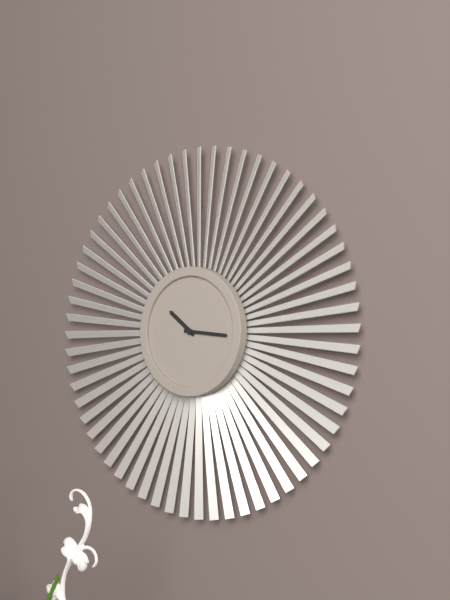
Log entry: 10,16
